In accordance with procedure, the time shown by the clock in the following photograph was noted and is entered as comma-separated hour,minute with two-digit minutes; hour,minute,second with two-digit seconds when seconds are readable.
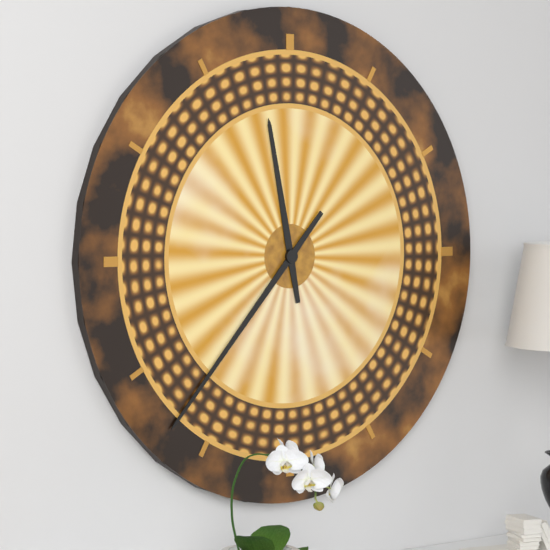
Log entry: 11,37
